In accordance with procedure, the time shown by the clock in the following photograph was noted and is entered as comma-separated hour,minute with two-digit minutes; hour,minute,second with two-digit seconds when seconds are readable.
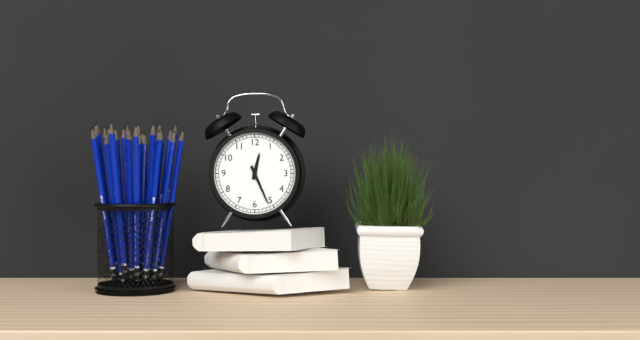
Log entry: 12,26
